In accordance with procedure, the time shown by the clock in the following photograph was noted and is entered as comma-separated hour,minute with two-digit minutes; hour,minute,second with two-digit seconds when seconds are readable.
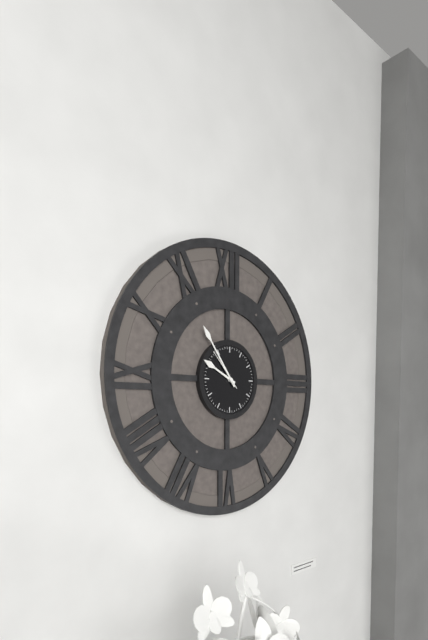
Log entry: 9,54
